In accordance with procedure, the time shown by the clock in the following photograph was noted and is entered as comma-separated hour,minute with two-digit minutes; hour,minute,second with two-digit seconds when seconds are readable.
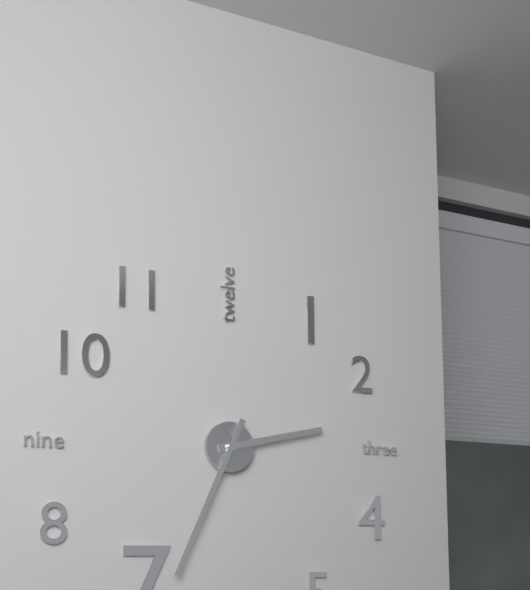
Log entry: 2,34
